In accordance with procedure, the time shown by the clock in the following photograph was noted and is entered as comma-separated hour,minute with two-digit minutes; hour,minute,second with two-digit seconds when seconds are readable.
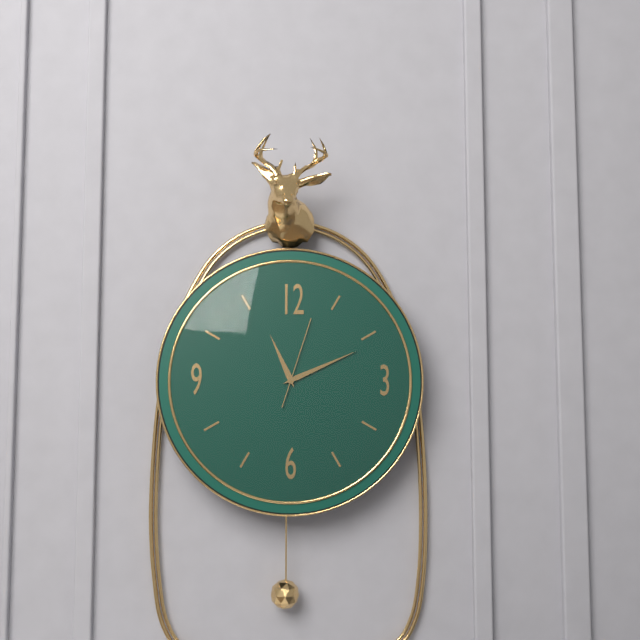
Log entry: 11,11,03
